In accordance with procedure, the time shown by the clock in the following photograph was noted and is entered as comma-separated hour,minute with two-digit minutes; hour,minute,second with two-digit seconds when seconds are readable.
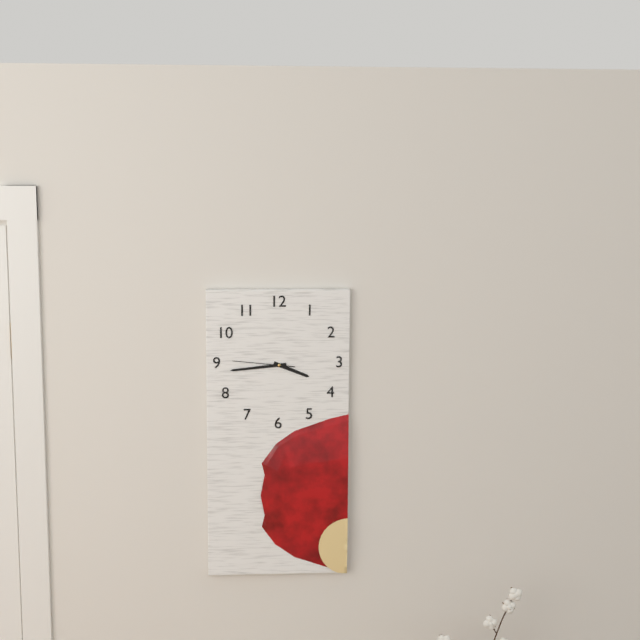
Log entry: 3,44,46
